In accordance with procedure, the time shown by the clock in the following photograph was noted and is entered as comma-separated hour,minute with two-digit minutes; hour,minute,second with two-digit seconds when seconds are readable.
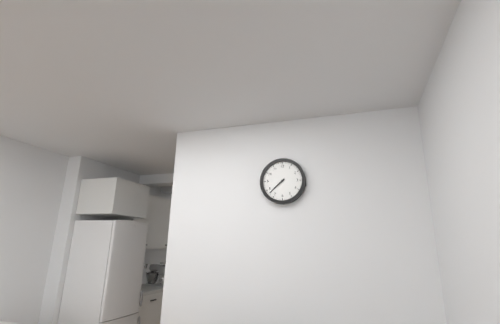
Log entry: 7,38
